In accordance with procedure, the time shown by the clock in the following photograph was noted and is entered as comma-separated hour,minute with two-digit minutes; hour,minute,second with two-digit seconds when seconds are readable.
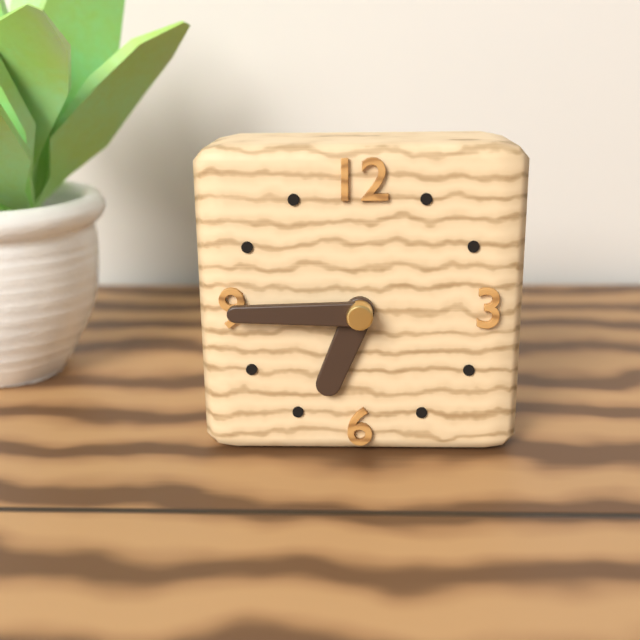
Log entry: 6,45
